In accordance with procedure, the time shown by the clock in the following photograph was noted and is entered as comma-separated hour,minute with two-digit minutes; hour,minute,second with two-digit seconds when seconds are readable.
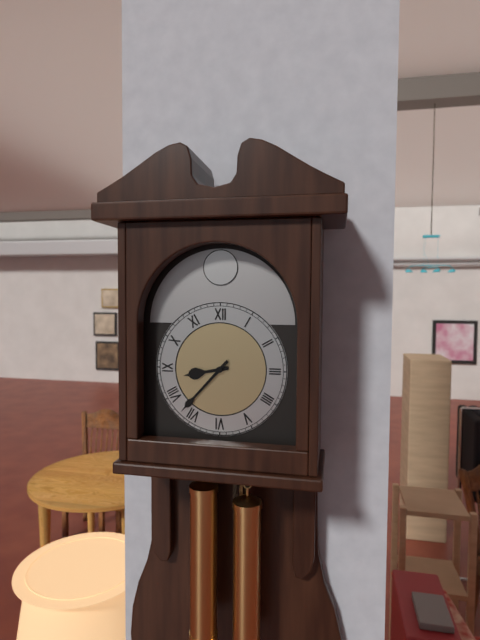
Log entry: 8,37
